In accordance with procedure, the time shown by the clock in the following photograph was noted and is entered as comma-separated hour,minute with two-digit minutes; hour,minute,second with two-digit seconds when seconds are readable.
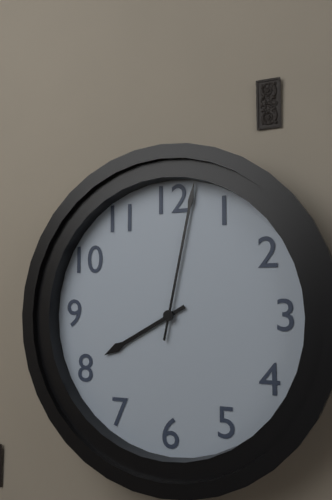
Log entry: 8,02
